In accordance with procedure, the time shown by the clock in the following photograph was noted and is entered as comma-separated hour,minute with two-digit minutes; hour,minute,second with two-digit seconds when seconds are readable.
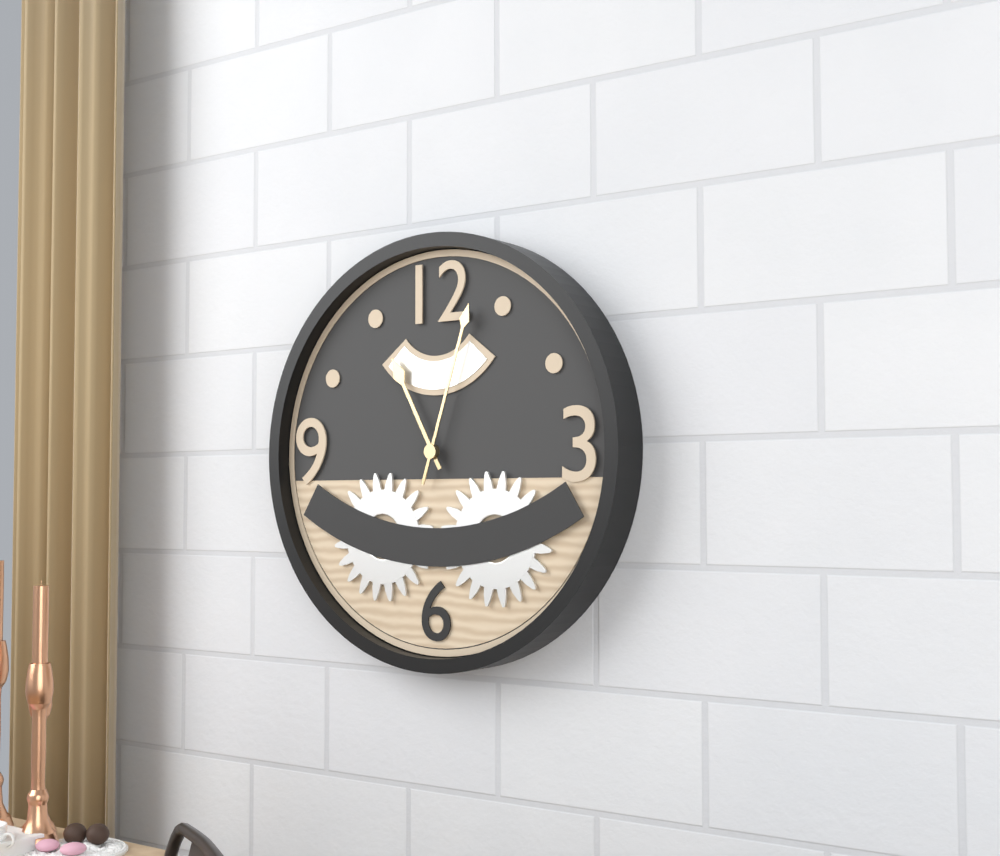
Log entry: 11,03
